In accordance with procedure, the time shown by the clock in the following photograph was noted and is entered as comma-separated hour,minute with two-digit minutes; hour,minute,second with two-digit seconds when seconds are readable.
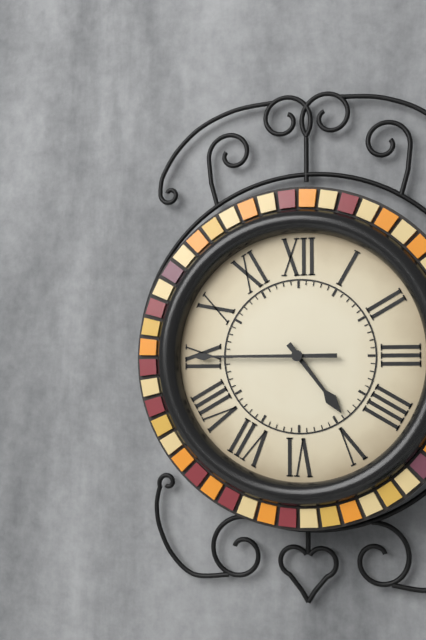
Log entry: 4,45
